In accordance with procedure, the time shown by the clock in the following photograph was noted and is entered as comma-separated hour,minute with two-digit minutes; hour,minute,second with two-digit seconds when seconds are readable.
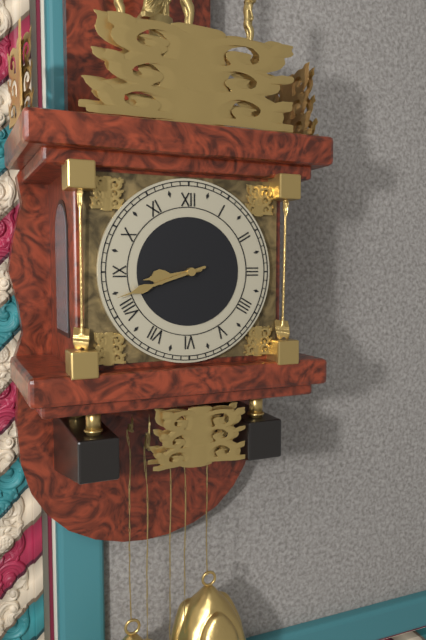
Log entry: 8,42
